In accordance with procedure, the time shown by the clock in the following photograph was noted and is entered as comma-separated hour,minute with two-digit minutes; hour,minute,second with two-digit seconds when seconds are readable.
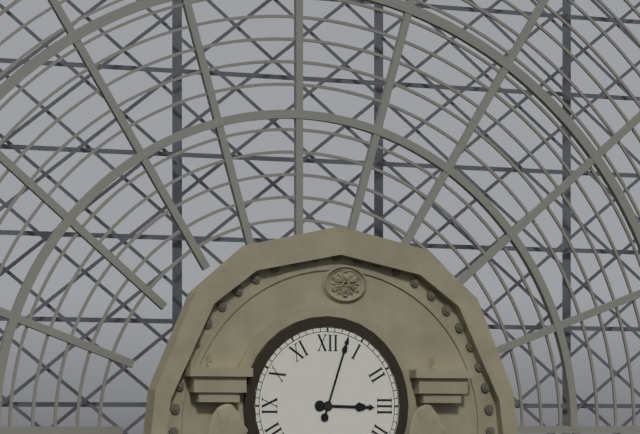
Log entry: 3,03
